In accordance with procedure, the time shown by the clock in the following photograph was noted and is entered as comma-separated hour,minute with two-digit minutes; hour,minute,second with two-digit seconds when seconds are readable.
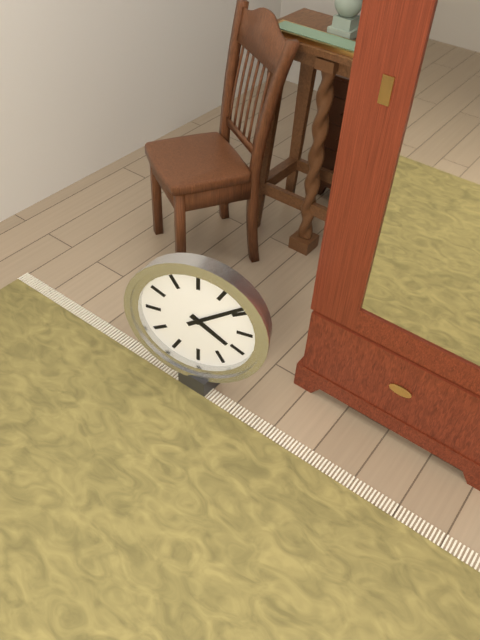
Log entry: 4,09
